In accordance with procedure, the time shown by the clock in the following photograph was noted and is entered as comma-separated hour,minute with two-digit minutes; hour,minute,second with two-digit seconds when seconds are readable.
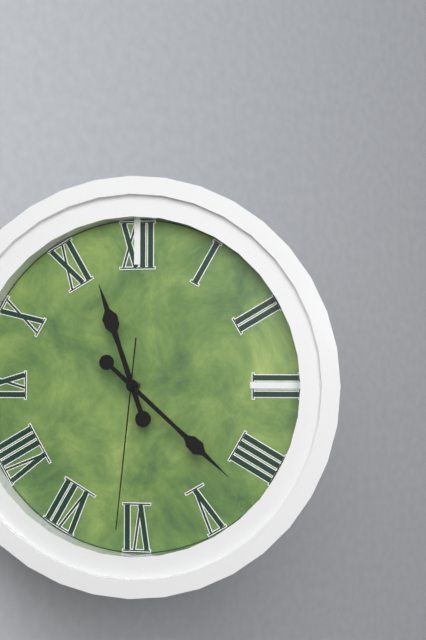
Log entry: 11,22,31
